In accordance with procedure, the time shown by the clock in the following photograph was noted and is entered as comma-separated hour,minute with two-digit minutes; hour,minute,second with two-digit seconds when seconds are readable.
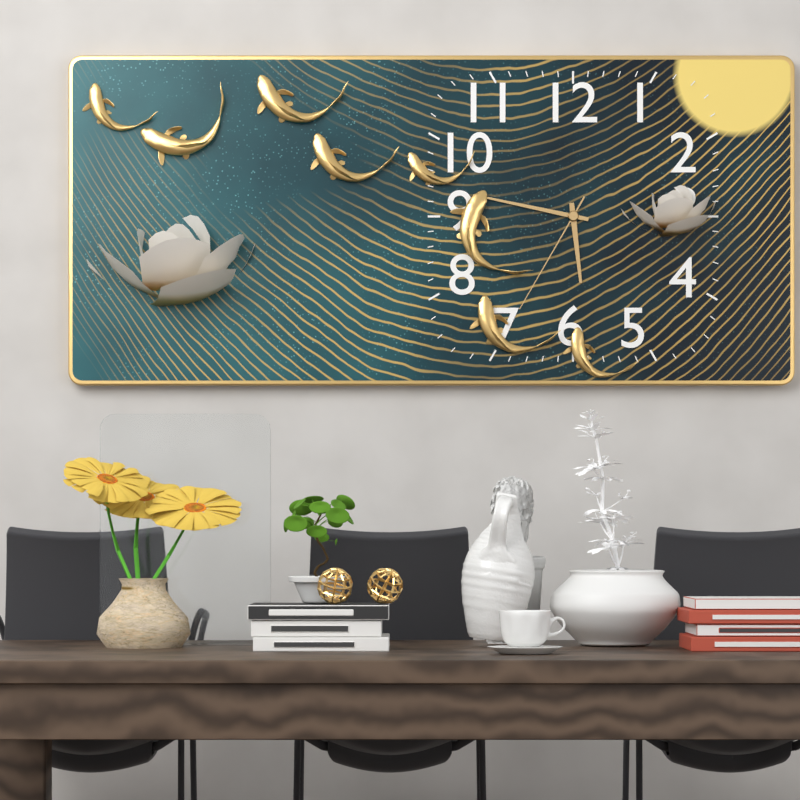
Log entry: 5,47,35
